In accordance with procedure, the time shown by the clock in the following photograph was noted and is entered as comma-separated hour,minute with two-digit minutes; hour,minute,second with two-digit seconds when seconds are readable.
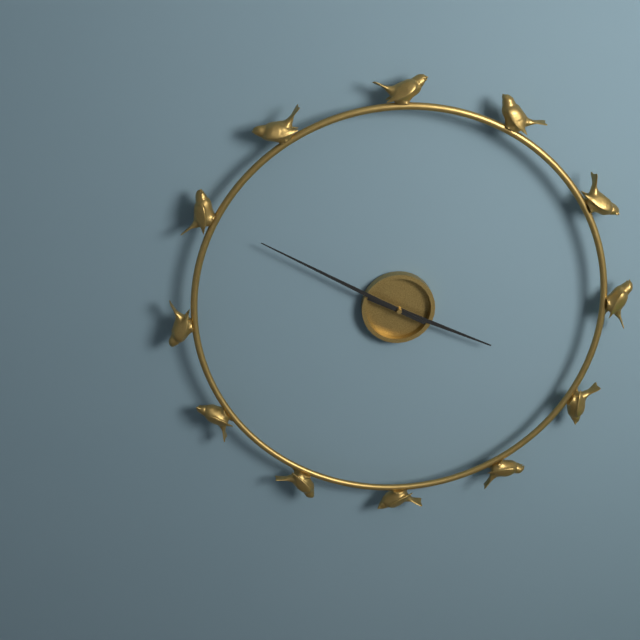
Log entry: 3,50
